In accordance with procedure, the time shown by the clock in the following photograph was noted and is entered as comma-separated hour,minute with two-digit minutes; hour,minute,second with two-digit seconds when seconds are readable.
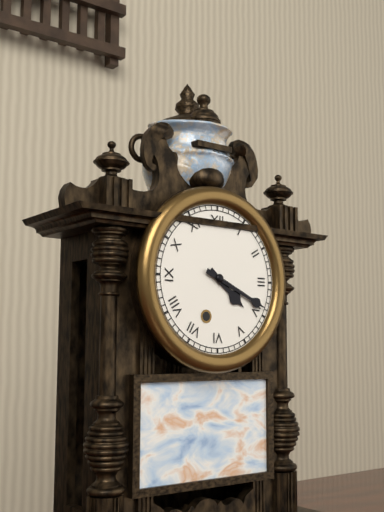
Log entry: 4,19
